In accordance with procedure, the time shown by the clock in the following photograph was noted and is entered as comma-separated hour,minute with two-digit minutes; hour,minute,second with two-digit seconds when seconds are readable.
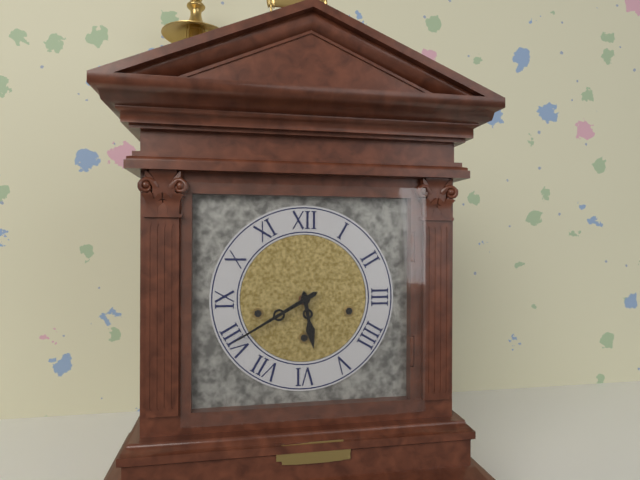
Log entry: 5,40
